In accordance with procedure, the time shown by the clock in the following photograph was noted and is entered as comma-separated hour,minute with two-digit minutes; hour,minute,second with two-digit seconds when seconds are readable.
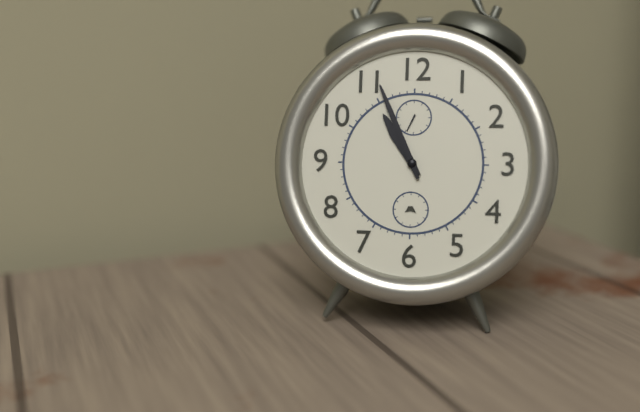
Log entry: 10,56
